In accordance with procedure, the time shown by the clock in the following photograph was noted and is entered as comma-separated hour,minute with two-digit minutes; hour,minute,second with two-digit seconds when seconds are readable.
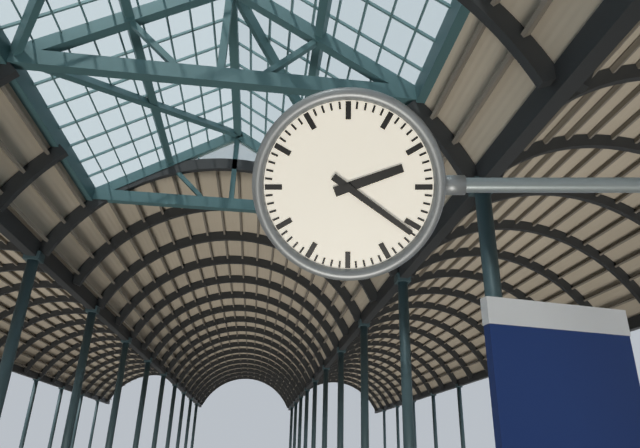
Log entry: 2,21
